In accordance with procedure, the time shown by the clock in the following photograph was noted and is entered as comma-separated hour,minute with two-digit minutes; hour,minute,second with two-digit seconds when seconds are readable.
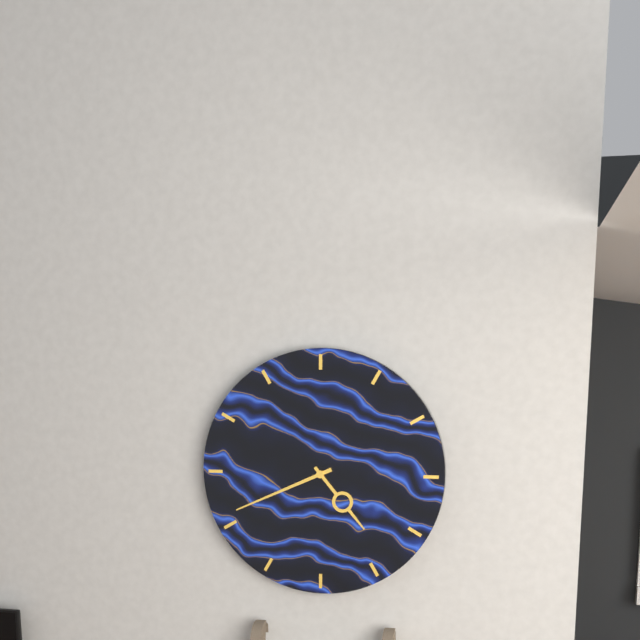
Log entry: 4,41
